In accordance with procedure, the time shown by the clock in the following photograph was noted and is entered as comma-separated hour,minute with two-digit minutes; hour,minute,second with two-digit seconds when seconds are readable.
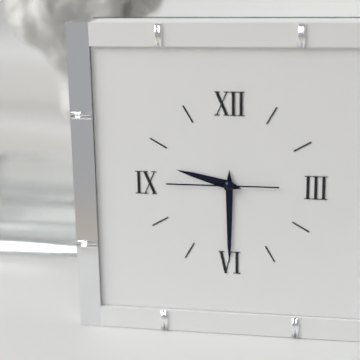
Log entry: 9,30,45
